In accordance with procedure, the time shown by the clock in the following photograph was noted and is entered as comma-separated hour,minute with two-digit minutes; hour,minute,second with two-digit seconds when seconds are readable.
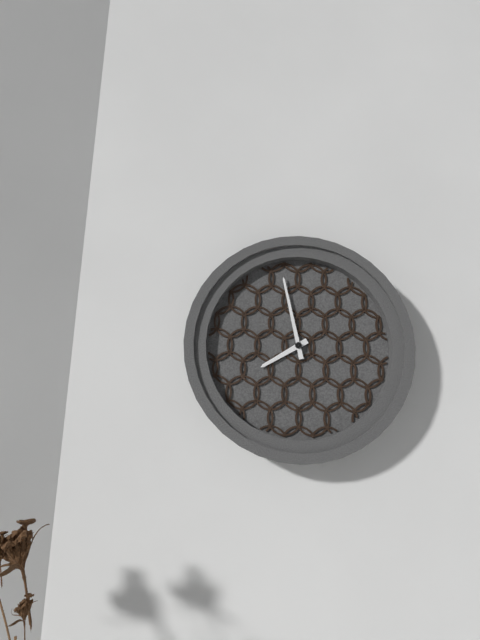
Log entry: 7,58
